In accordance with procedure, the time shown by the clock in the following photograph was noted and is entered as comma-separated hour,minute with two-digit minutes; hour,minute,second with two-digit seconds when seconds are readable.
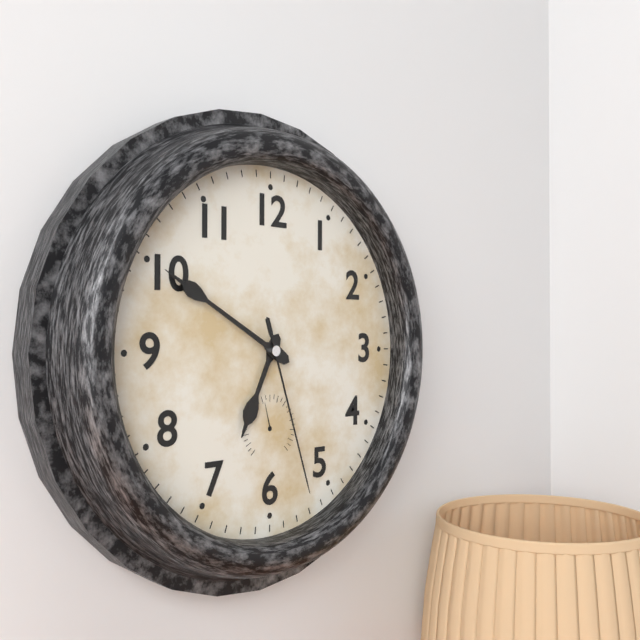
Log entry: 6,50,27
